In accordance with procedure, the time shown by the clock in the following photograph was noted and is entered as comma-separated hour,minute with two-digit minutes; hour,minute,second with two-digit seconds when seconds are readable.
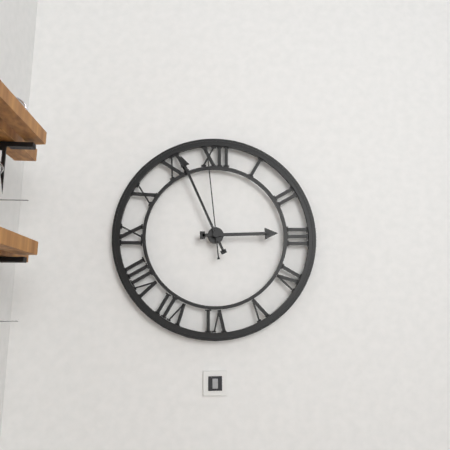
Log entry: 2,56,59
